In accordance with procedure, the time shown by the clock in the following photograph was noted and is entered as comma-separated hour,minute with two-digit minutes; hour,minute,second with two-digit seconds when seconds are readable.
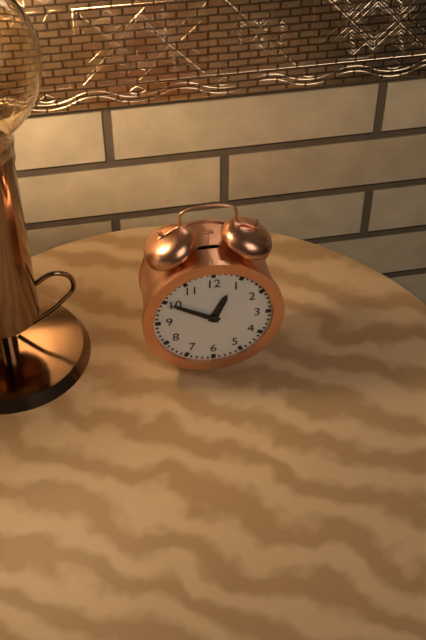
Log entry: 12,50
